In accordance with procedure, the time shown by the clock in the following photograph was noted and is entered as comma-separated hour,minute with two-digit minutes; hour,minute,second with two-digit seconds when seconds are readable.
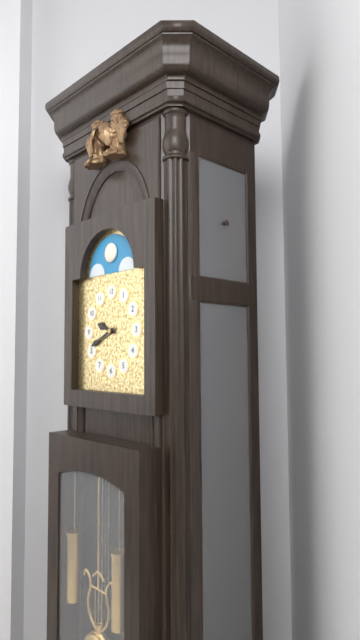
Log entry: 9,41
